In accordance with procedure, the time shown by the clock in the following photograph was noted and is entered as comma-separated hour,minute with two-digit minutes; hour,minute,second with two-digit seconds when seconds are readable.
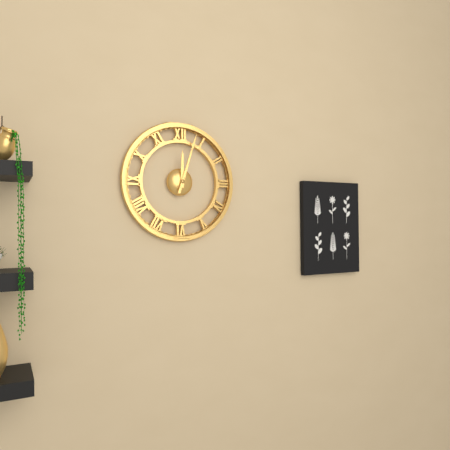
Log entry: 12,03
